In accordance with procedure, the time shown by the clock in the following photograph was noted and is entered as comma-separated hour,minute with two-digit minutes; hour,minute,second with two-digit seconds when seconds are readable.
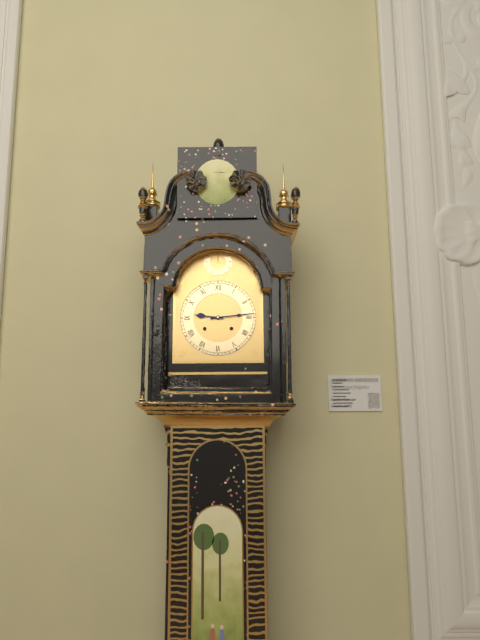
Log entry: 9,14
